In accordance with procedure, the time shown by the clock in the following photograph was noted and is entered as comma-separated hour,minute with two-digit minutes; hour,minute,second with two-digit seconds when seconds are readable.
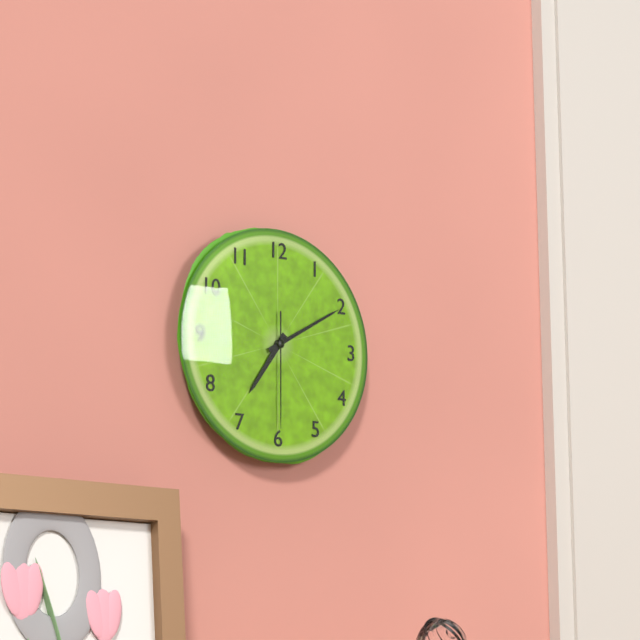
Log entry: 7,10,30
